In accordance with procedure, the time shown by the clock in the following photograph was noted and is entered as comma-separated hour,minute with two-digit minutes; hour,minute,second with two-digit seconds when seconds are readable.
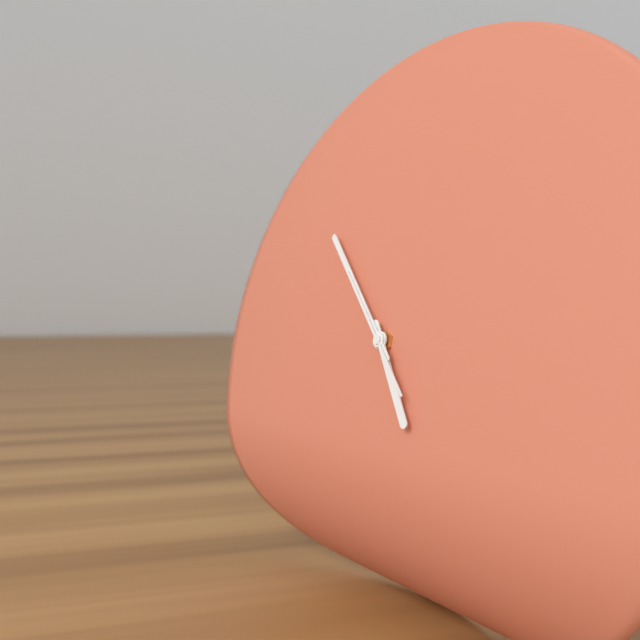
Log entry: 4,53,53
